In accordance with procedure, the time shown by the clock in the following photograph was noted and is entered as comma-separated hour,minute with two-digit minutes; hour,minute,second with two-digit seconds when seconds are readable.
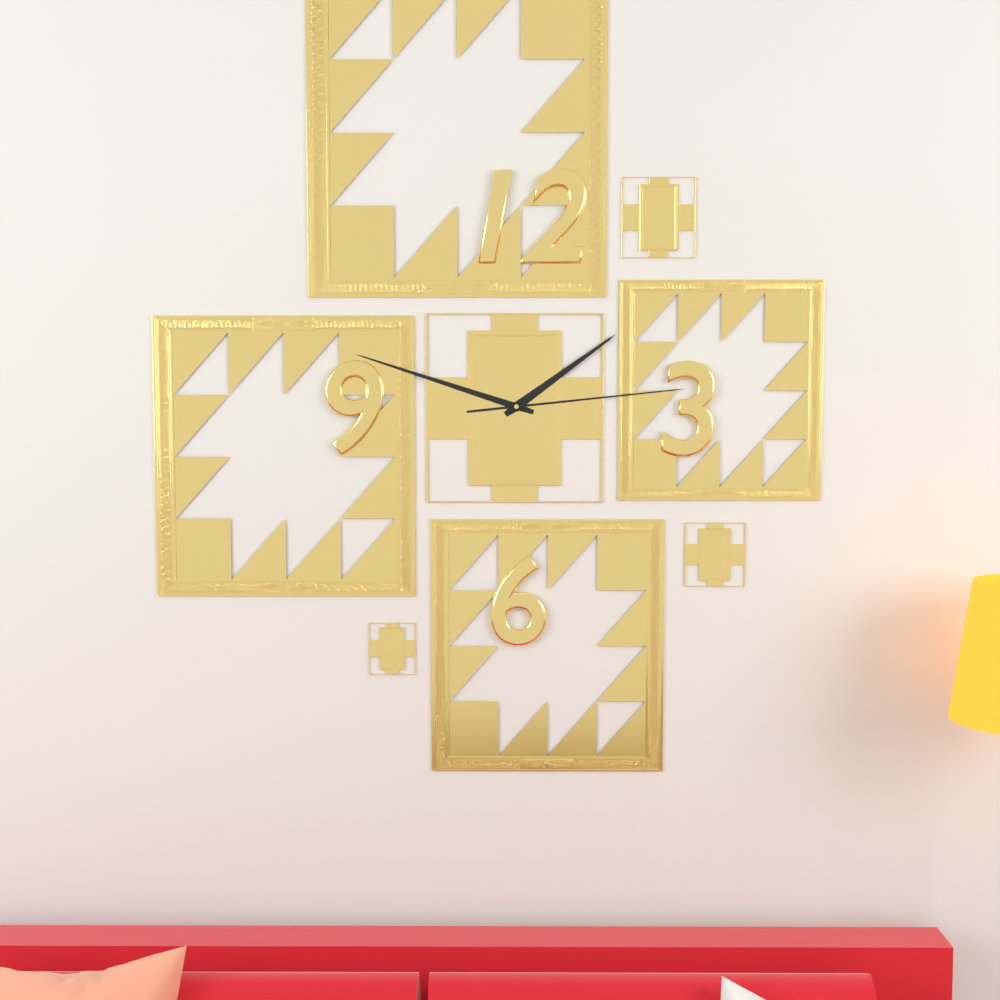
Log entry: 1,48,14
